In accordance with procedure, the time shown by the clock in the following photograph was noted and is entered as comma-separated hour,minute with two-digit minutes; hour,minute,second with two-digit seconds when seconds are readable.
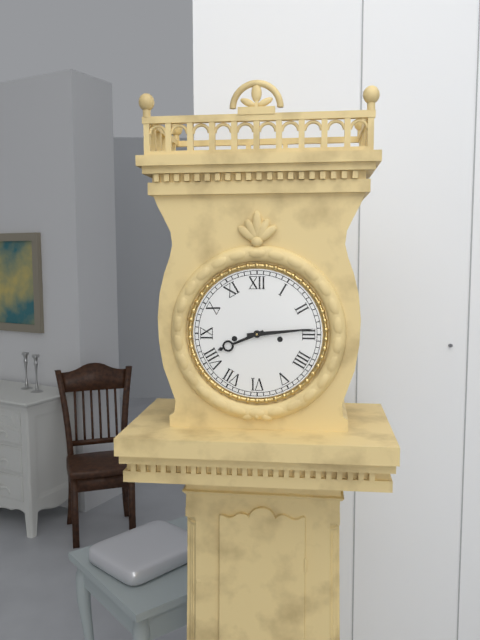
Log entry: 8,14
